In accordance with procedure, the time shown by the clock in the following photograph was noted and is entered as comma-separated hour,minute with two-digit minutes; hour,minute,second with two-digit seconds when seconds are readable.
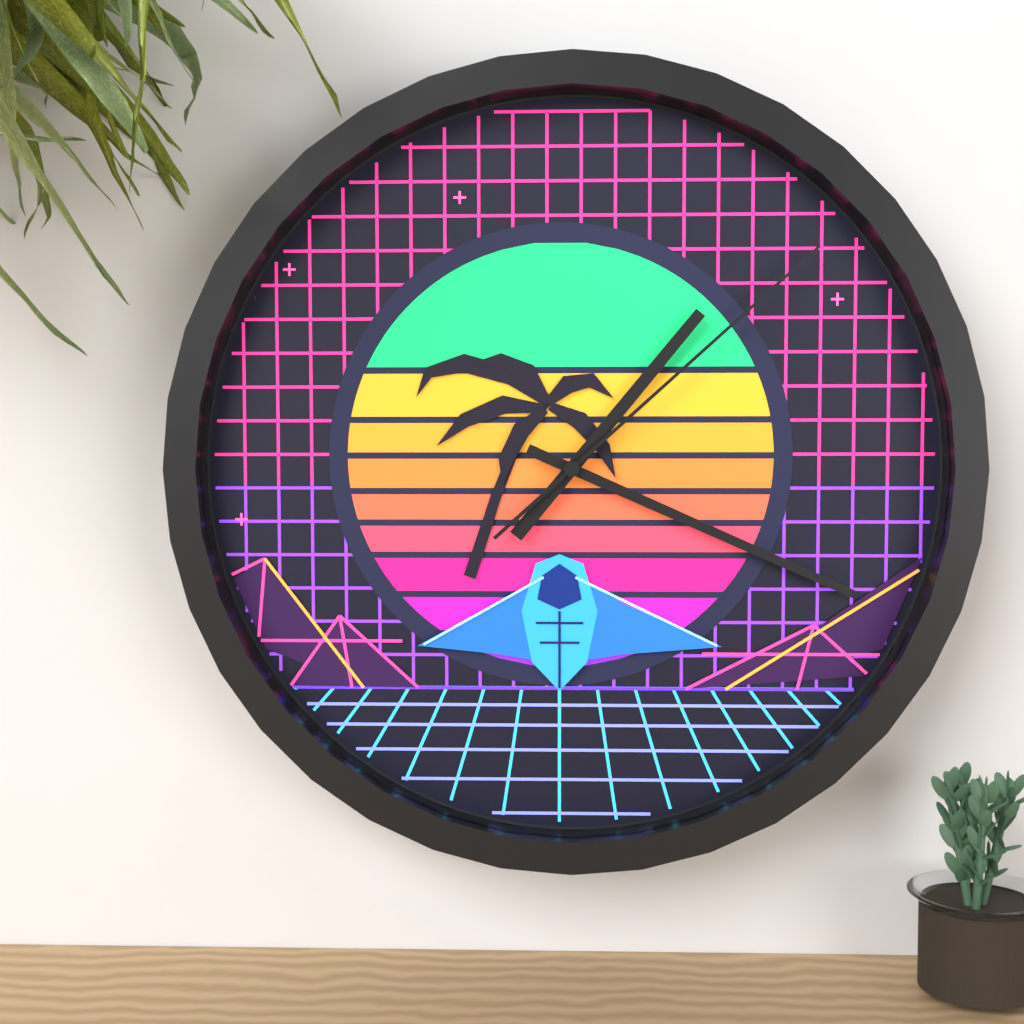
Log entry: 1,19,08
